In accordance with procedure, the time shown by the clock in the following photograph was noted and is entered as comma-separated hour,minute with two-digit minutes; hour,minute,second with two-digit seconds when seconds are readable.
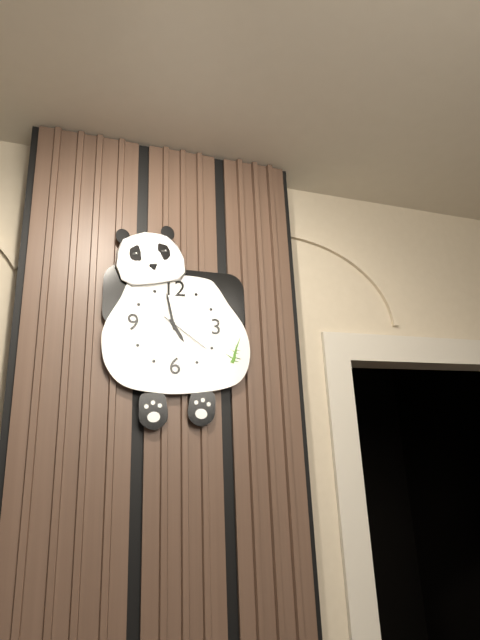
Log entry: 4,58,21
